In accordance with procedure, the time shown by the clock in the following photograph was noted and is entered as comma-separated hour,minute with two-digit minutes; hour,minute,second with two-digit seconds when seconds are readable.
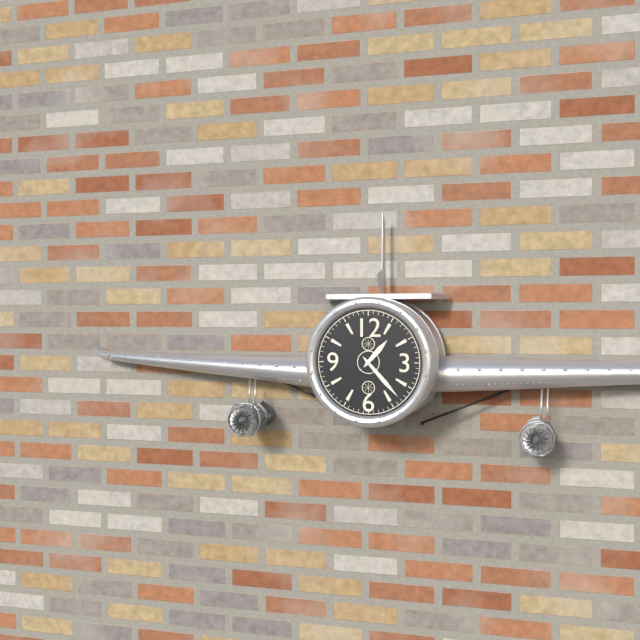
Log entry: 1,23
